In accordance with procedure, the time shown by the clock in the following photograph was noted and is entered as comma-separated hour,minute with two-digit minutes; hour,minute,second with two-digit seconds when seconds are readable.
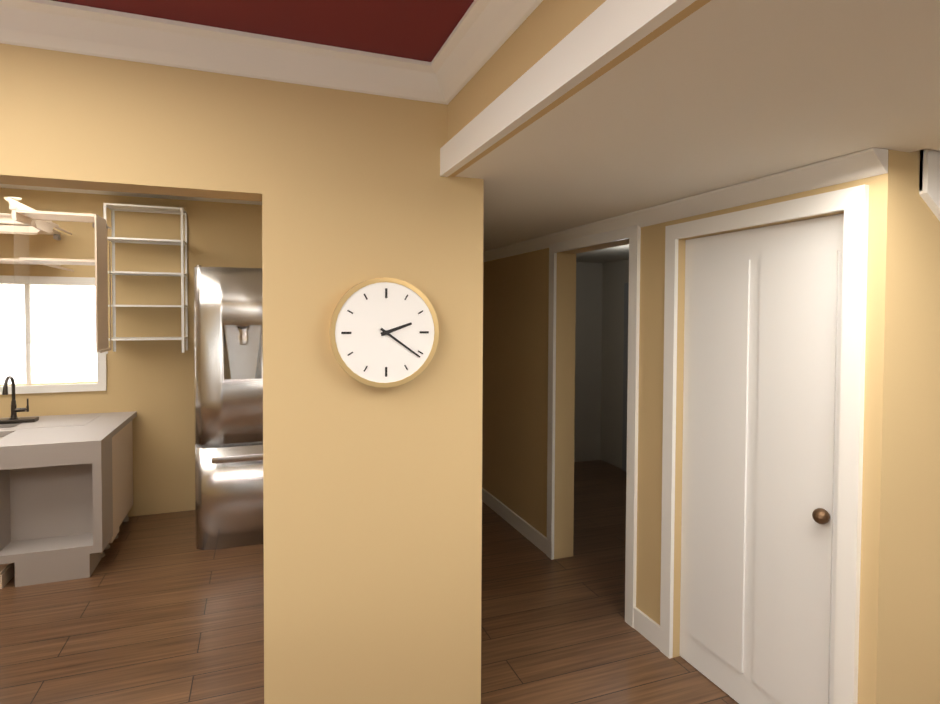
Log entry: 2,21
